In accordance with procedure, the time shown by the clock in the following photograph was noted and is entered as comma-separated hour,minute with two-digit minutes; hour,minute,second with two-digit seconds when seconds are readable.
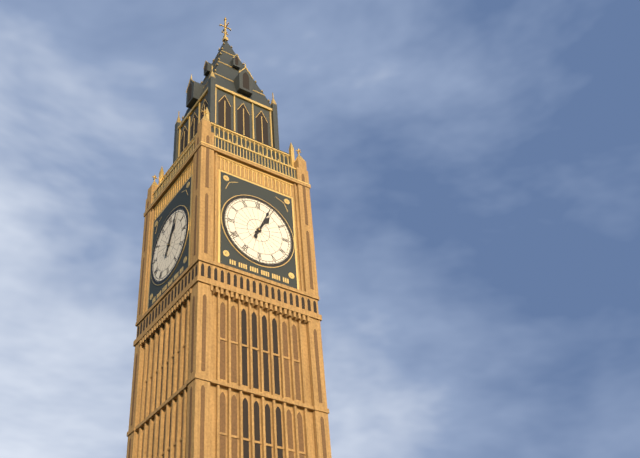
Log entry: 1,04
